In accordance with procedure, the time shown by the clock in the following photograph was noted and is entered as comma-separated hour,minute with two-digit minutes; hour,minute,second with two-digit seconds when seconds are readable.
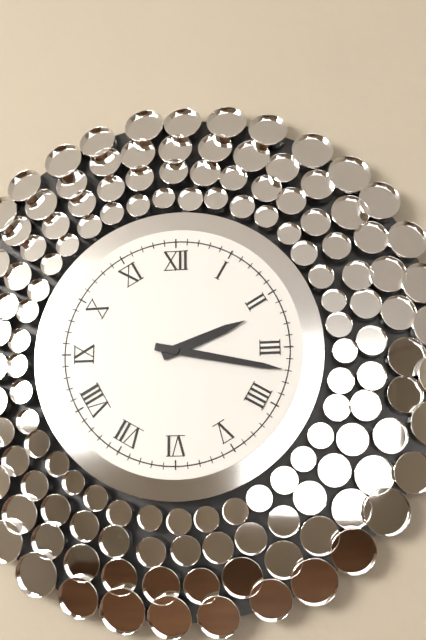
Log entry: 2,17
